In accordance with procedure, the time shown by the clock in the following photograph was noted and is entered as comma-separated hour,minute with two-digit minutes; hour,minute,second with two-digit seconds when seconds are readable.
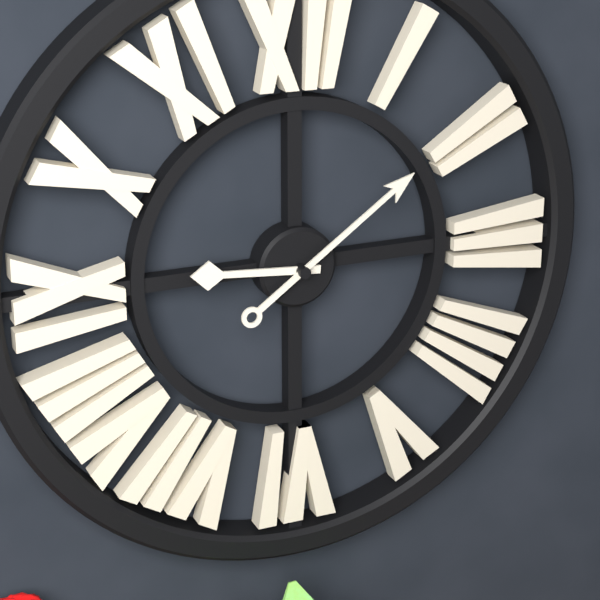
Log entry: 9,09
